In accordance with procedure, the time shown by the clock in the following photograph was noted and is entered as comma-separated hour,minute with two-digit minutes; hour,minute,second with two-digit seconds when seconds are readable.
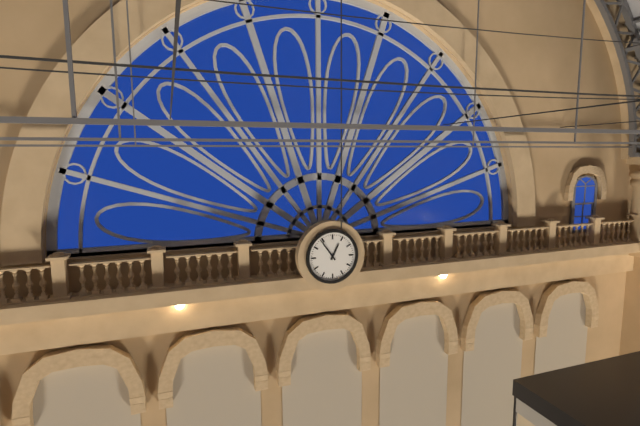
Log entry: 12,54
